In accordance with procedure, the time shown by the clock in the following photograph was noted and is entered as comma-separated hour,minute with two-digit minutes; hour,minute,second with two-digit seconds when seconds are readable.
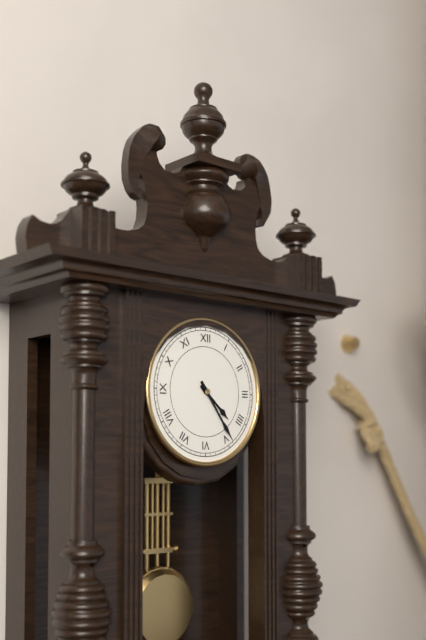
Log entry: 4,24
